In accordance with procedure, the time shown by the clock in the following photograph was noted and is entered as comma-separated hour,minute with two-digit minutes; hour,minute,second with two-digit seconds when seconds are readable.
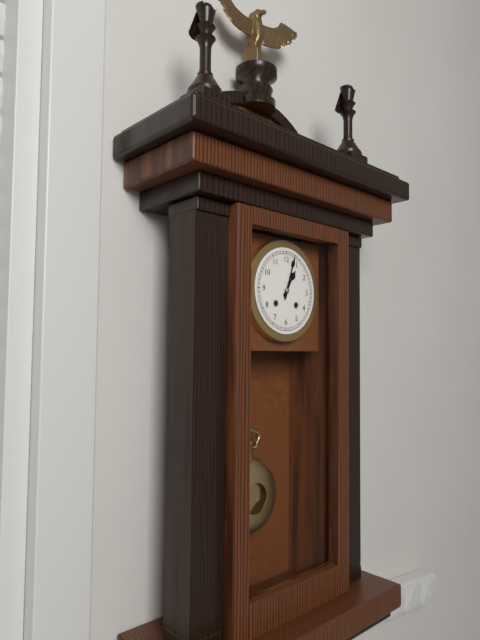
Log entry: 1,03
